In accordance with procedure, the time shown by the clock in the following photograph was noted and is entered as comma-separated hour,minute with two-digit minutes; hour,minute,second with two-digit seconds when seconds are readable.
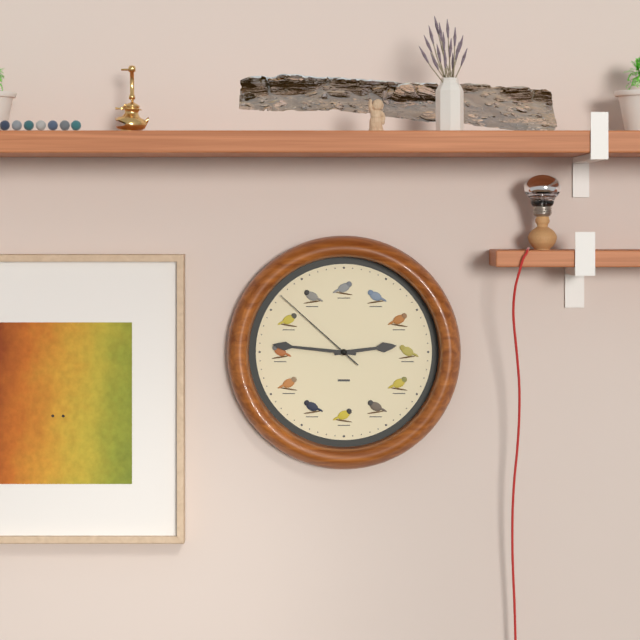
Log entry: 2,46,52
